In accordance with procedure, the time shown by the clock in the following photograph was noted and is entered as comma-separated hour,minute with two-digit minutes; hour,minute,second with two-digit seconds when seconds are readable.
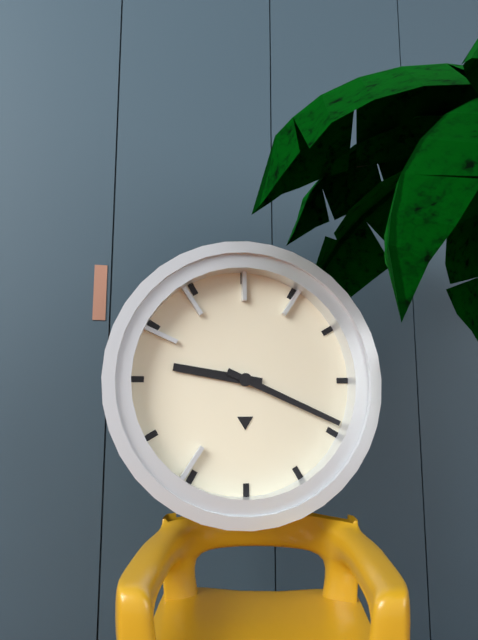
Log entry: 9,19
